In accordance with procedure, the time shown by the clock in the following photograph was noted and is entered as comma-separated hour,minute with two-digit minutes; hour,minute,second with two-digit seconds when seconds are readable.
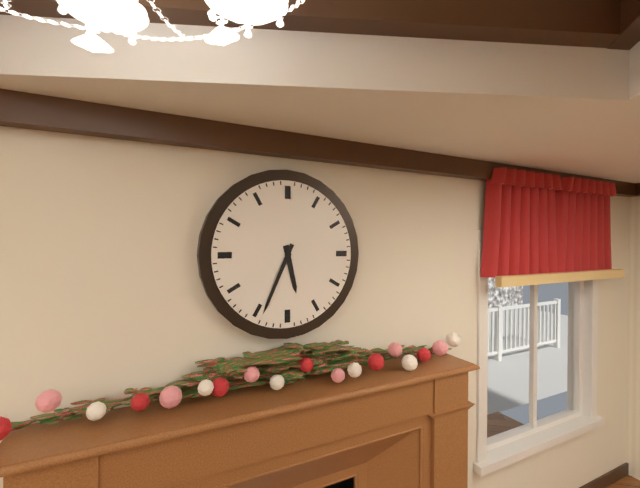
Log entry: 5,34
